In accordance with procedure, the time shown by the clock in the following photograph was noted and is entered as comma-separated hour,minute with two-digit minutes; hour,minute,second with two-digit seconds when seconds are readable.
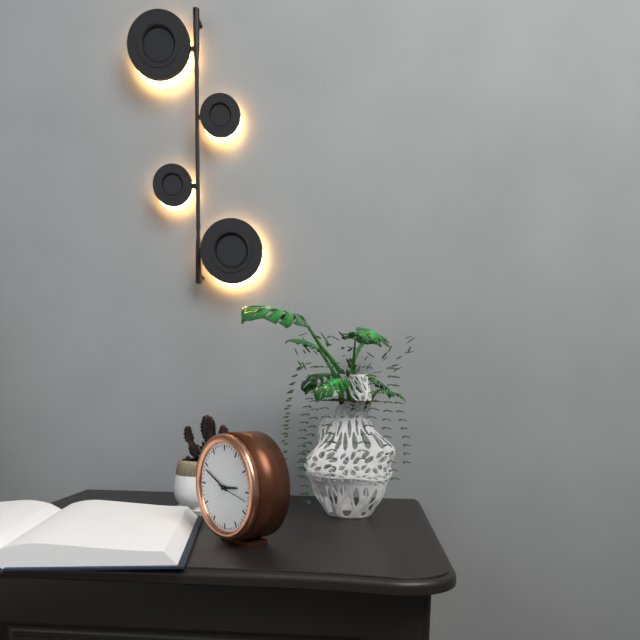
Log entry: 2,49
